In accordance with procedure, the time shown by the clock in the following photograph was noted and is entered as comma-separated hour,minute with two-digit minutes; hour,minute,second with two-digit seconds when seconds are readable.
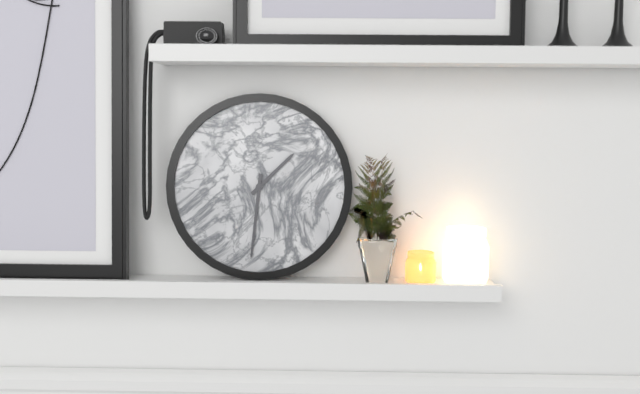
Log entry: 1,31
